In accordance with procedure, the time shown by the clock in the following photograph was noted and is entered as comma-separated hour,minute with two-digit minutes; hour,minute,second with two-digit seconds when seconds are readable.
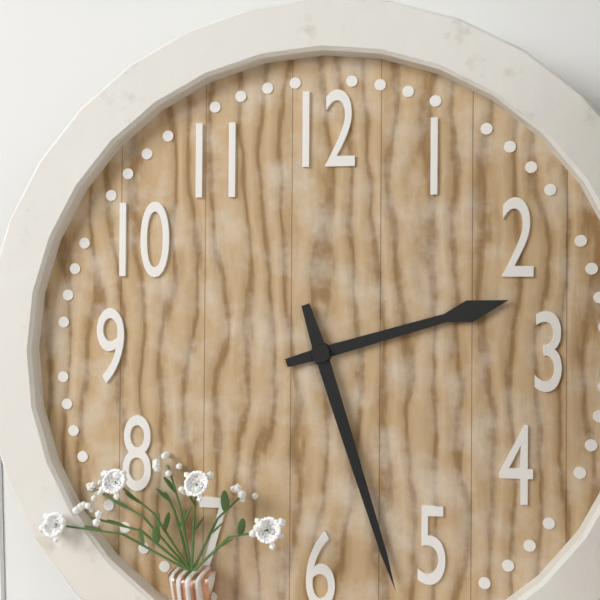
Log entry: 2,27
